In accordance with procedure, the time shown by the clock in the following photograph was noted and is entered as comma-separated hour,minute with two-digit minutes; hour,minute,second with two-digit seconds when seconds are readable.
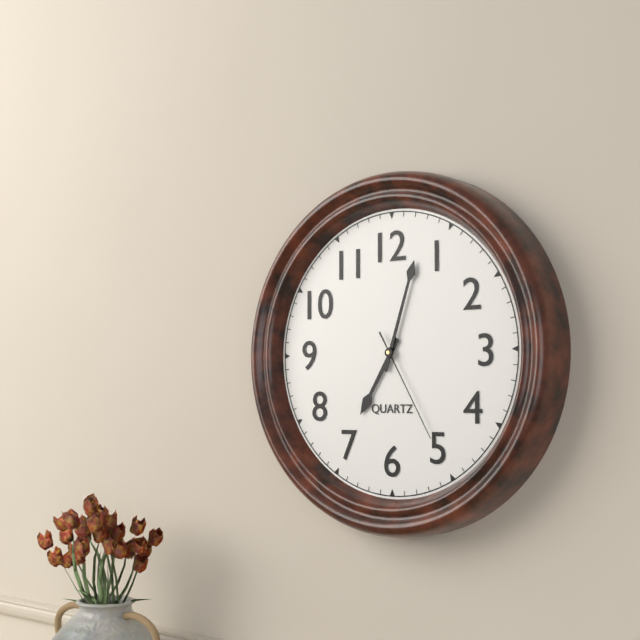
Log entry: 7,03,25
